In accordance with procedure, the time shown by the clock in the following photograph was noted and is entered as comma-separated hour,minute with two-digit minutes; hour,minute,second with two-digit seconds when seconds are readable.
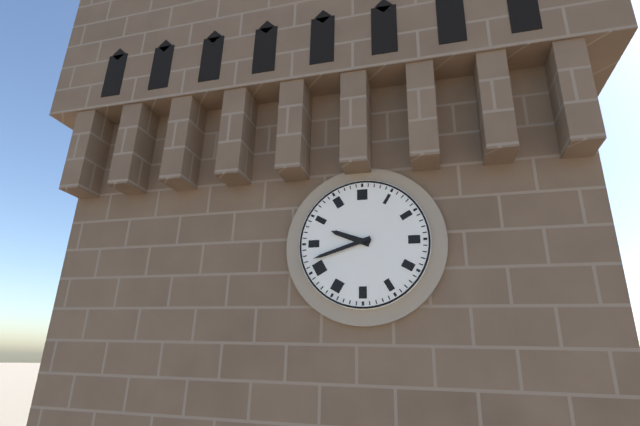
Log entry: 9,42
